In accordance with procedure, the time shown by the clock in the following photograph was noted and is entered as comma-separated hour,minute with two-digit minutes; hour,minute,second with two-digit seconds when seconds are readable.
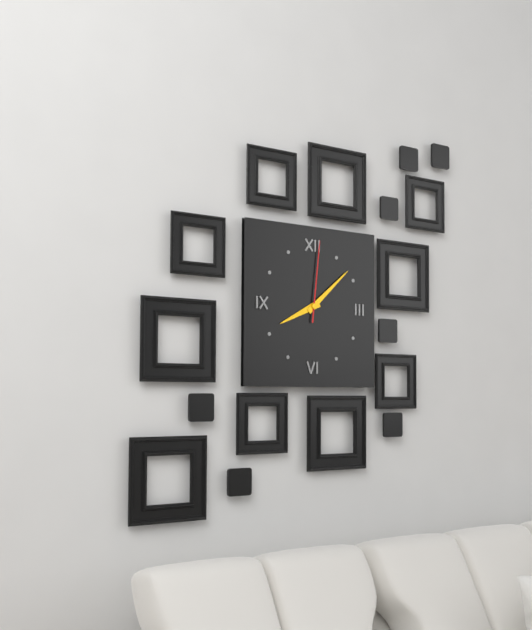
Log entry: 8,08,01
